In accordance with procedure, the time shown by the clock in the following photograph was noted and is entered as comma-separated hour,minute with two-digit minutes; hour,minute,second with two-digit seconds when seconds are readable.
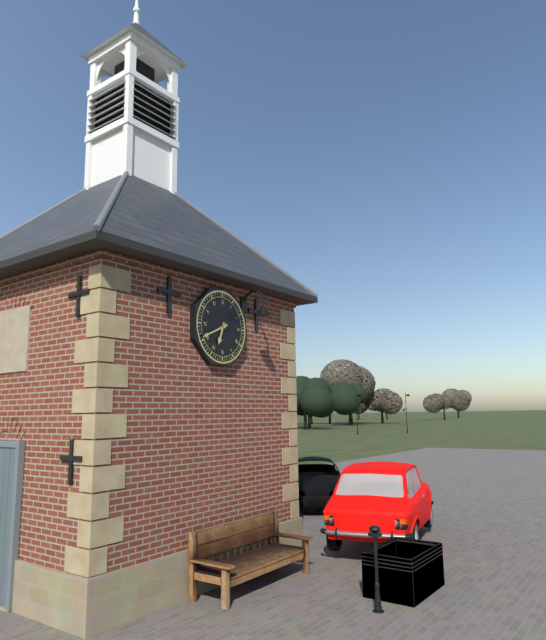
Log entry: 6,41
